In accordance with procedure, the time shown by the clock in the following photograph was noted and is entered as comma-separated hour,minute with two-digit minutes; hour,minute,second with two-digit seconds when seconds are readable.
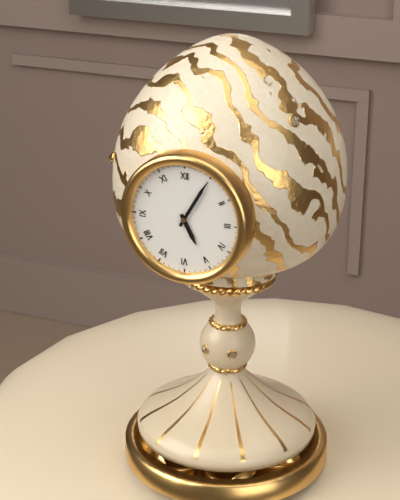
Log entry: 5,05
